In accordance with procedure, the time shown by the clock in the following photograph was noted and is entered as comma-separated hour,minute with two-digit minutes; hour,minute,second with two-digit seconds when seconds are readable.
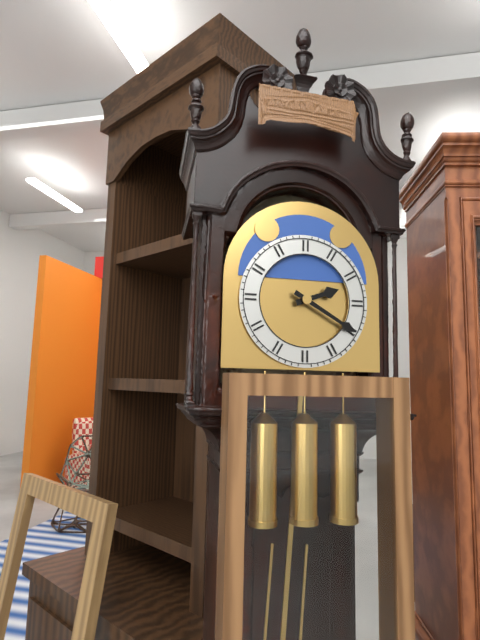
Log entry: 2,20
